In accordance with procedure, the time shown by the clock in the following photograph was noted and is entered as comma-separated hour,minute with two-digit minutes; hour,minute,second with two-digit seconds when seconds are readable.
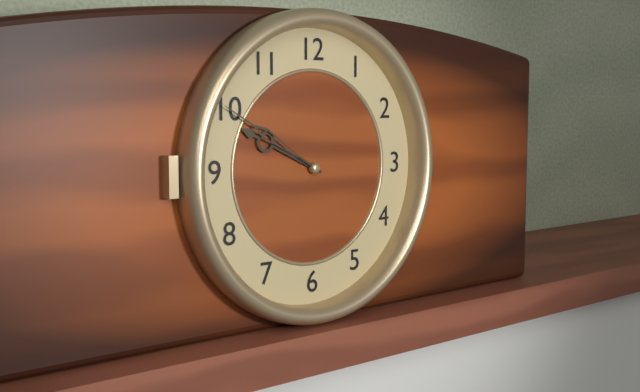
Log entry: 9,50
